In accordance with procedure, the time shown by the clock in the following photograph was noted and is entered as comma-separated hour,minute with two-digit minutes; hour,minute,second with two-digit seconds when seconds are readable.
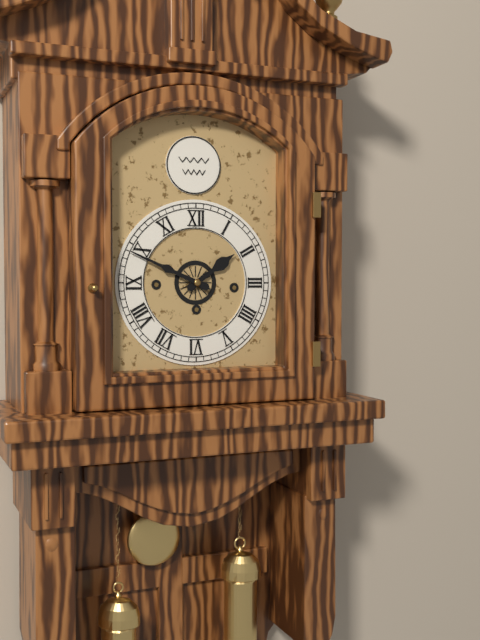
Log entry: 1,49
